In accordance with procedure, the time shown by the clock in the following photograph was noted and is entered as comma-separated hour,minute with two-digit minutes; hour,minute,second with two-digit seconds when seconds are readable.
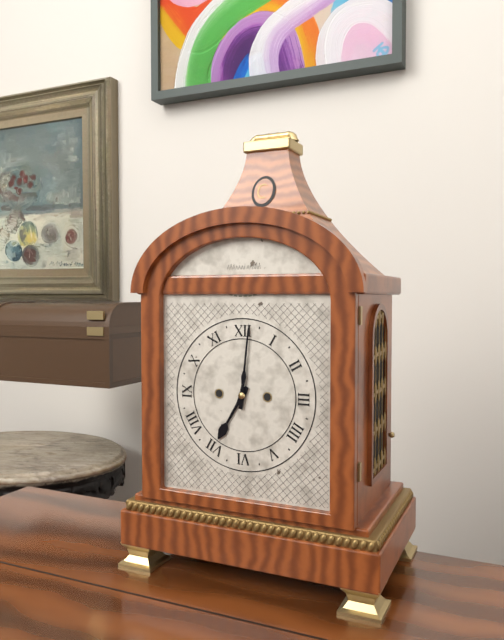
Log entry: 7,01
